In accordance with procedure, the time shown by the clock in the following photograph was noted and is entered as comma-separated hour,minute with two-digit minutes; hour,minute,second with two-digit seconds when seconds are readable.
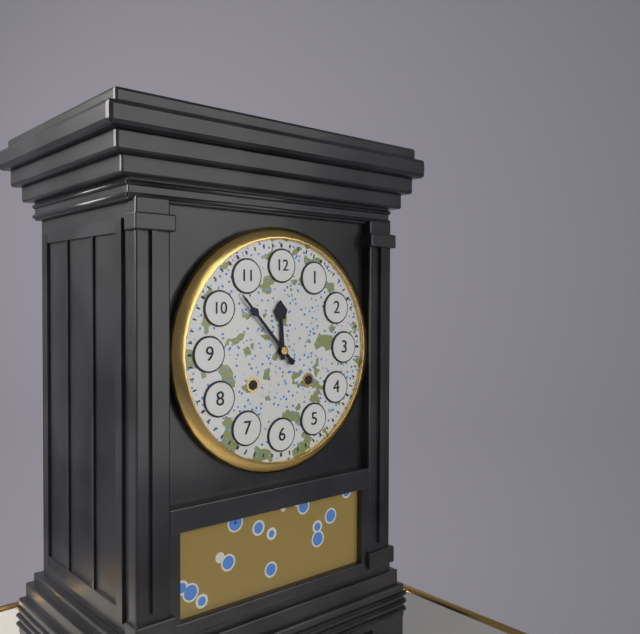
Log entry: 11,53
